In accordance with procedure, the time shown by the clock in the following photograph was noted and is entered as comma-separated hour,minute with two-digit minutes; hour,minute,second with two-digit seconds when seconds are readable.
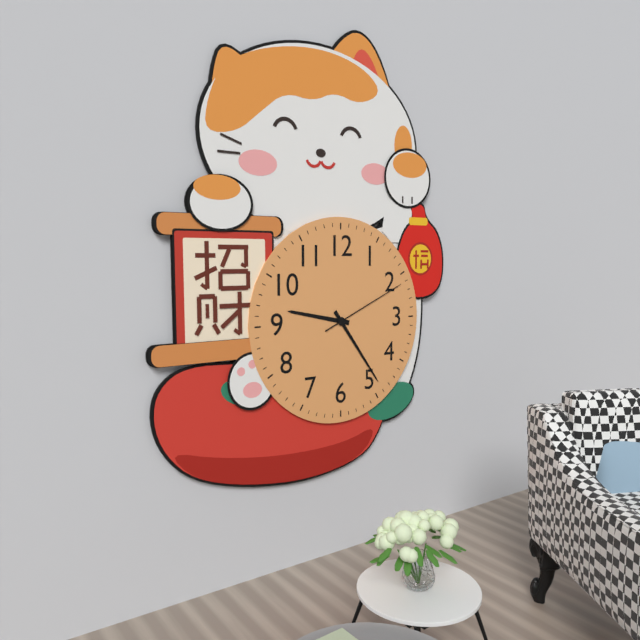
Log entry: 9,24,11
